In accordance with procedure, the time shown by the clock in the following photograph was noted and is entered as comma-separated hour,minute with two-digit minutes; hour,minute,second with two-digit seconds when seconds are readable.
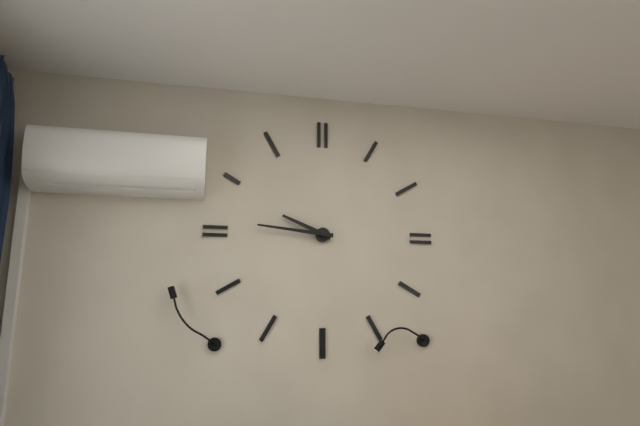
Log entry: 9,46
